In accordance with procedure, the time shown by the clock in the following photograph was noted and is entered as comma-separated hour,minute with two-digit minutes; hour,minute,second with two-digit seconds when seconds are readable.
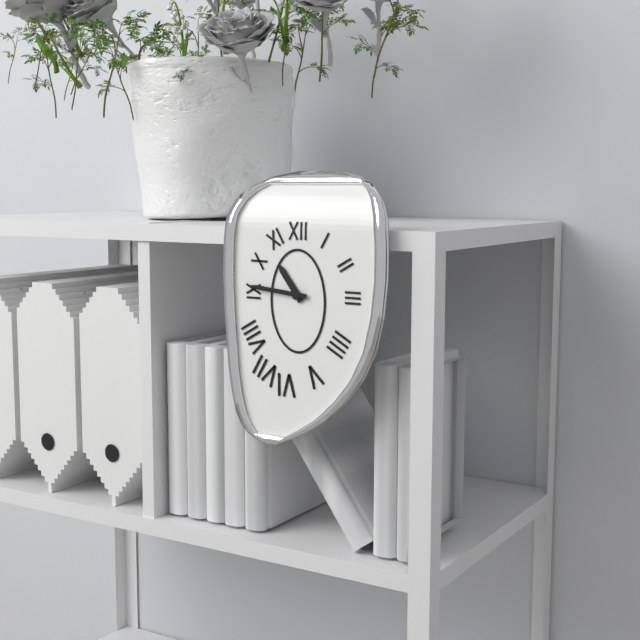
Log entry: 10,46
